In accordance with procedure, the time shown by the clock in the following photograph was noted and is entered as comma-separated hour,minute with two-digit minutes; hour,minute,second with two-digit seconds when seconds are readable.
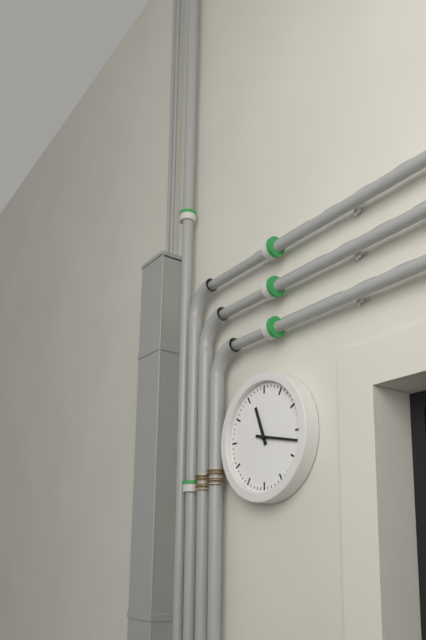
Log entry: 11,17
